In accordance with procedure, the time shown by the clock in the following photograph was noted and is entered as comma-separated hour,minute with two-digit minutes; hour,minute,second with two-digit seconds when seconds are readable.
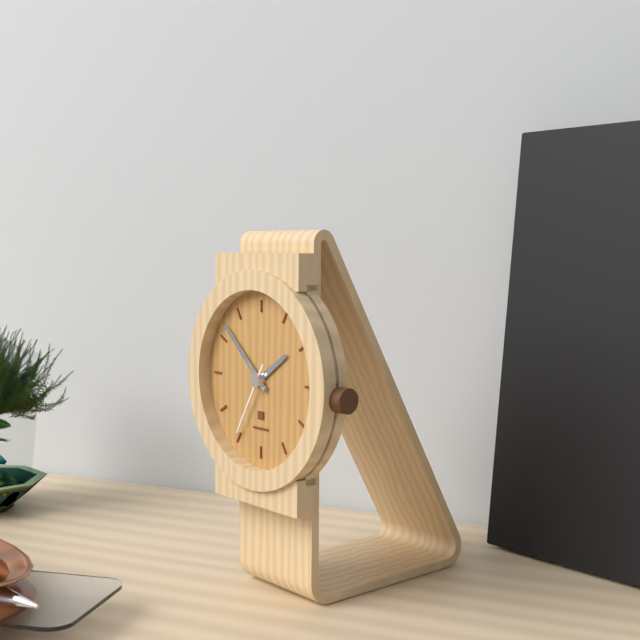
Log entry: 1,52,35
